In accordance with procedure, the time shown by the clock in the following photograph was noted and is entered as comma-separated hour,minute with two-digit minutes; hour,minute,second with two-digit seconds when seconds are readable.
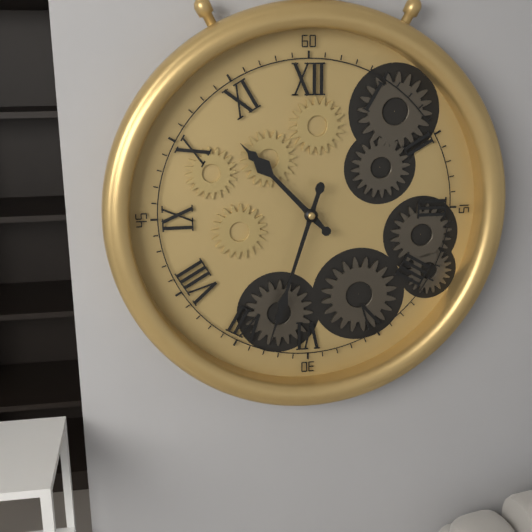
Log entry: 10,33
